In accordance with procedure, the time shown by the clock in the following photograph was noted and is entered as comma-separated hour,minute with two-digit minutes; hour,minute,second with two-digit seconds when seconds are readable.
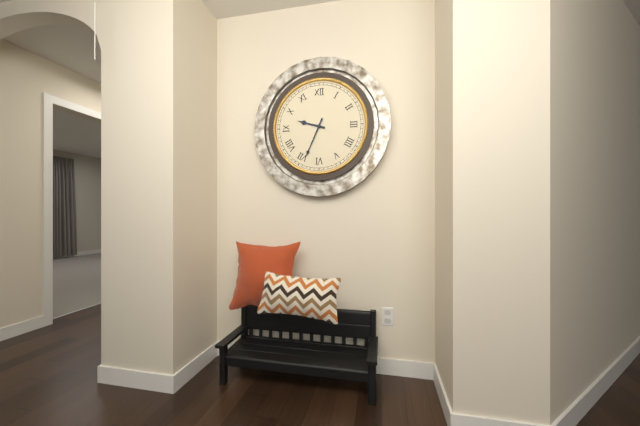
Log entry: 9,34
